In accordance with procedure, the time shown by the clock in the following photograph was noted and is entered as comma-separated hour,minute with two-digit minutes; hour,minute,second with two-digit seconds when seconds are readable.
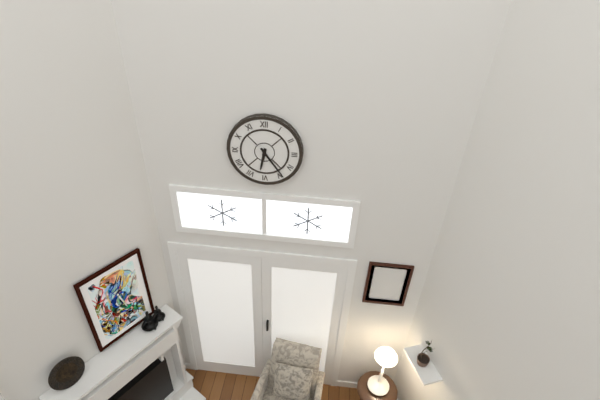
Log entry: 6,24
